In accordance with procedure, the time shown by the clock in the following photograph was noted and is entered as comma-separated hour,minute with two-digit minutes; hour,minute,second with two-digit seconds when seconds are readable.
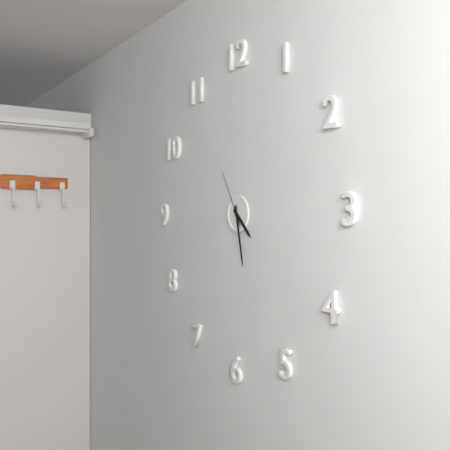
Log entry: 4,28,55
